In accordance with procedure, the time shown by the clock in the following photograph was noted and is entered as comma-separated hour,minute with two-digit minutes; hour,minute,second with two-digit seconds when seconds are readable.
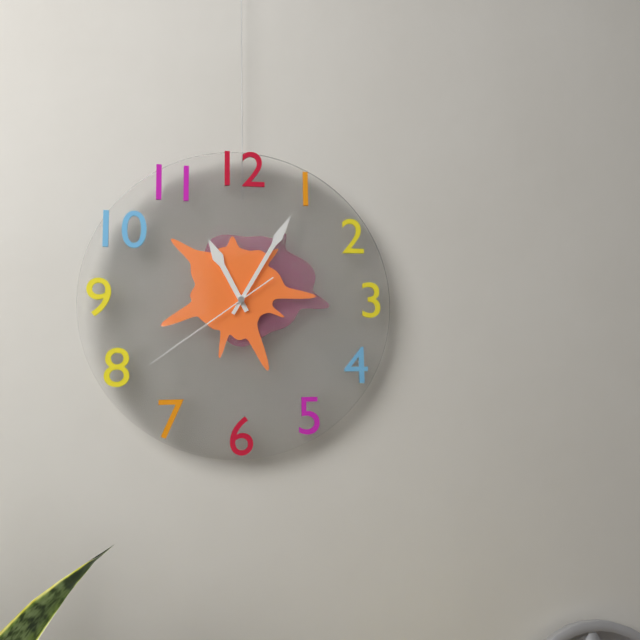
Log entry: 11,05,39
